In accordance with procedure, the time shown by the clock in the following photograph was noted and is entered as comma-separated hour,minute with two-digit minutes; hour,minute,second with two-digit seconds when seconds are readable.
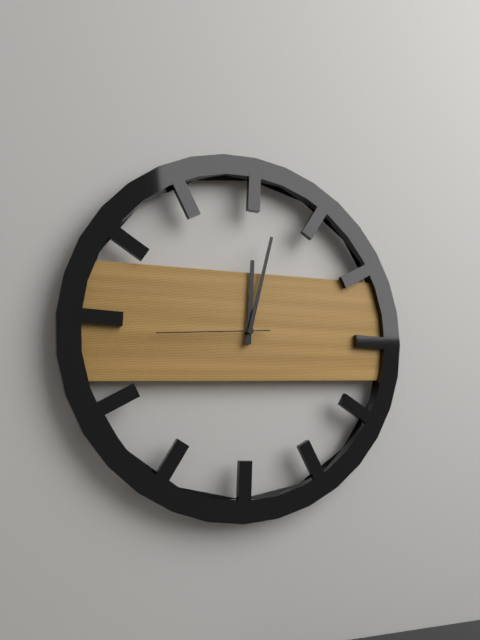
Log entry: 12,02,44
